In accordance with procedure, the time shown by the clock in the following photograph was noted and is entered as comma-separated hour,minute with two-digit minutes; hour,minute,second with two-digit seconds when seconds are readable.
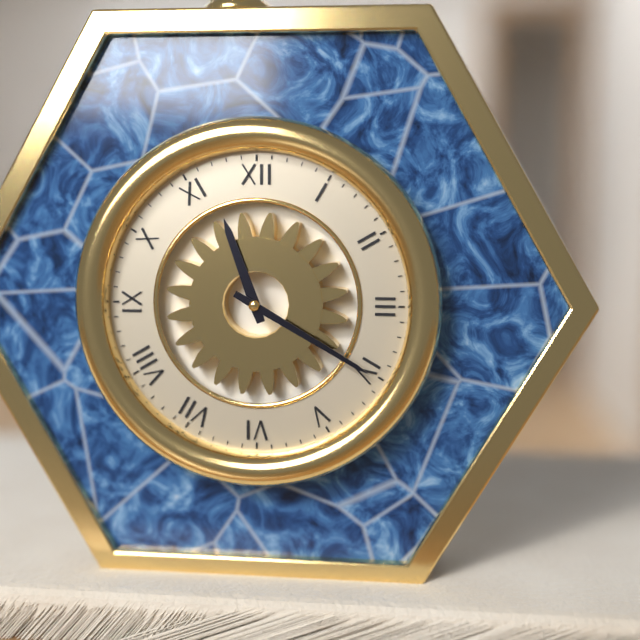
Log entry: 11,20
